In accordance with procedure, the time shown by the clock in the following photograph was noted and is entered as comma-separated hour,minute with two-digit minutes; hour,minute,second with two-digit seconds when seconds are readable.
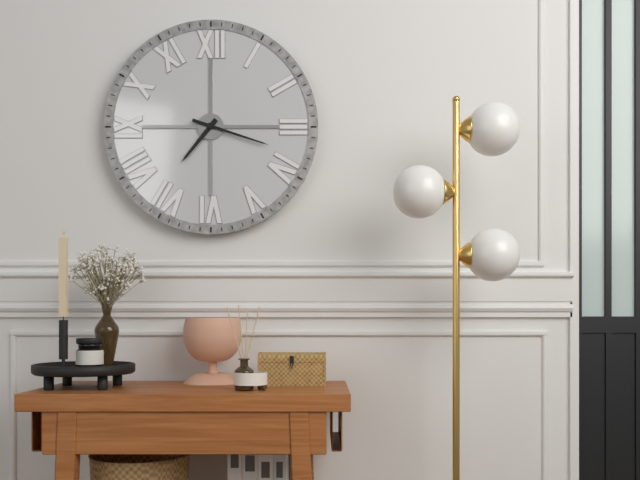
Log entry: 7,18
